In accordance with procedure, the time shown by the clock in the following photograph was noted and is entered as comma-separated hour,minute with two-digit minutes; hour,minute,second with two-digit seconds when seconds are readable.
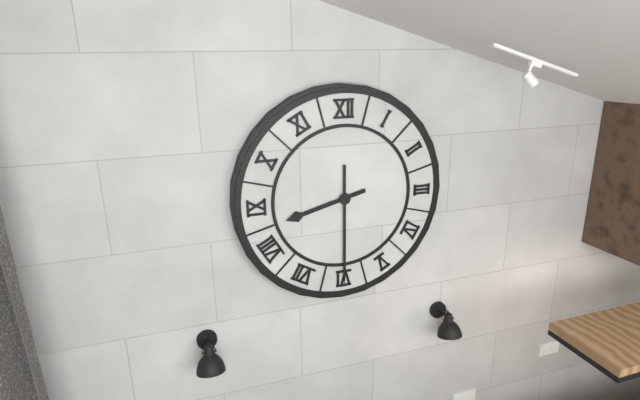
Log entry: 8,30
